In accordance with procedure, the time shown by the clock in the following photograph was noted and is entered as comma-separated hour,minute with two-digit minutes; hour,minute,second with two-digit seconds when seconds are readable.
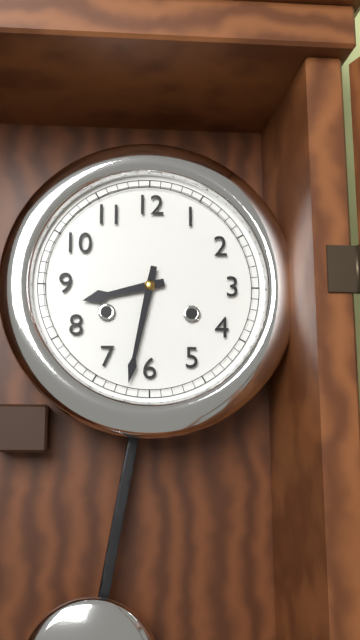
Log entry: 8,32
